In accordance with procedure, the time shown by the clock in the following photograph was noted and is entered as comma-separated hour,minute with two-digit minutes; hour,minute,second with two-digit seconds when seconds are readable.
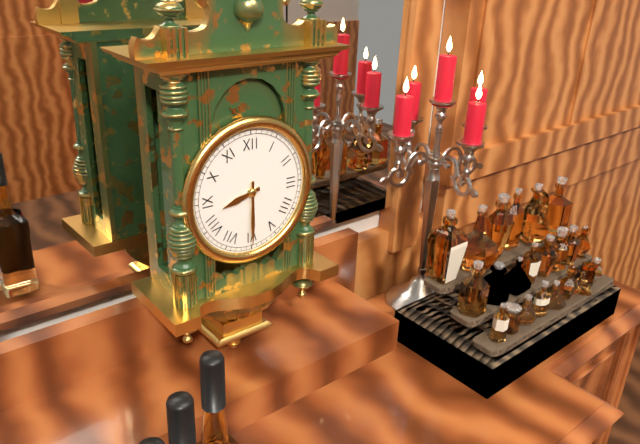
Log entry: 8,30
